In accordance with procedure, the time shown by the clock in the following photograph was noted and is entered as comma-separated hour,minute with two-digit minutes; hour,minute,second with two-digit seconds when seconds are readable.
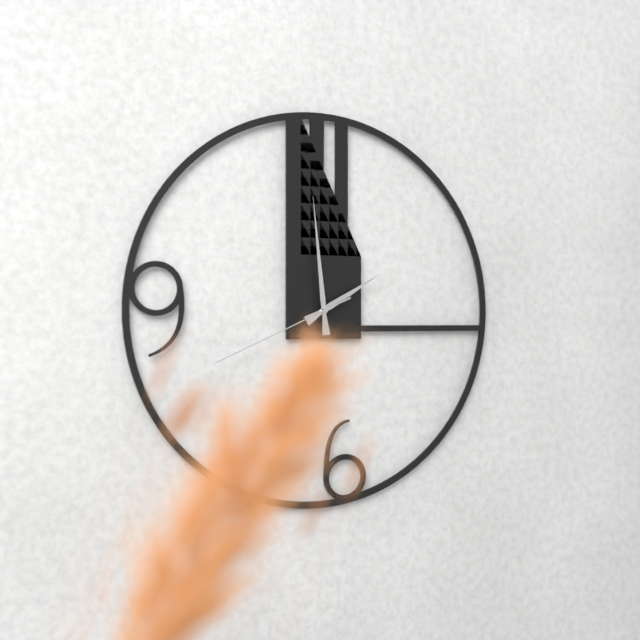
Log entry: 1,59,41
